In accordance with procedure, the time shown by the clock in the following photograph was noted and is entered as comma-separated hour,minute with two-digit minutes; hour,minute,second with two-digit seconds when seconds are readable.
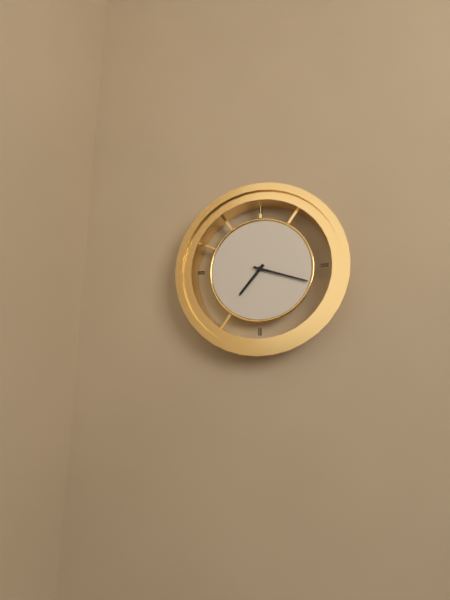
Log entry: 7,18
